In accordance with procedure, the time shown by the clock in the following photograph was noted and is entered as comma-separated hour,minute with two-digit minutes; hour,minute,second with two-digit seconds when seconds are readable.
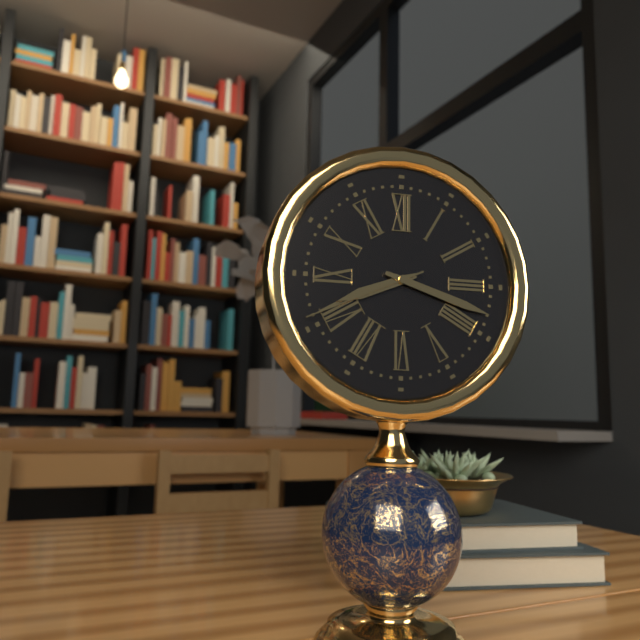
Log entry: 8,18,41
